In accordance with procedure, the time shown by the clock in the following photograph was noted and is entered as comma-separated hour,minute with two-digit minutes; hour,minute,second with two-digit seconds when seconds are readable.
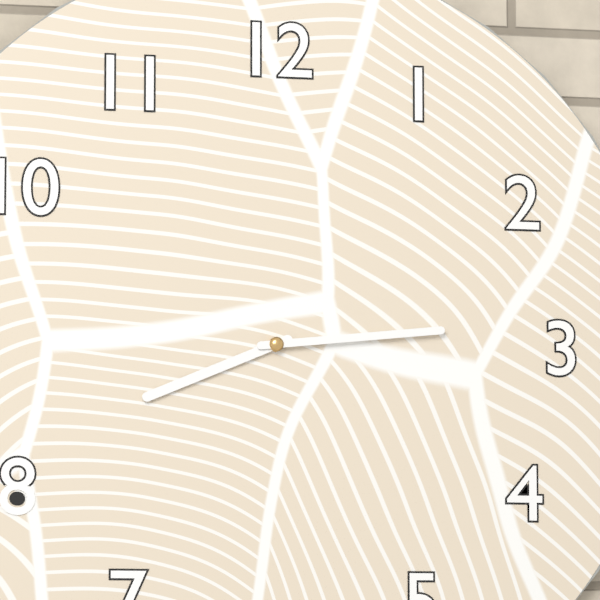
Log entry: 8,14
